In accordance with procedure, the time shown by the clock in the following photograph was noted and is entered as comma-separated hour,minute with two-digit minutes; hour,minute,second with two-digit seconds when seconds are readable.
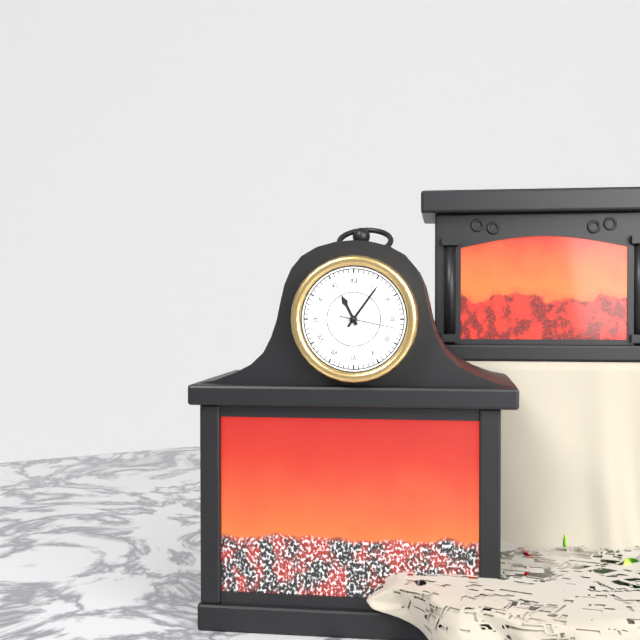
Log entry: 11,06,17
